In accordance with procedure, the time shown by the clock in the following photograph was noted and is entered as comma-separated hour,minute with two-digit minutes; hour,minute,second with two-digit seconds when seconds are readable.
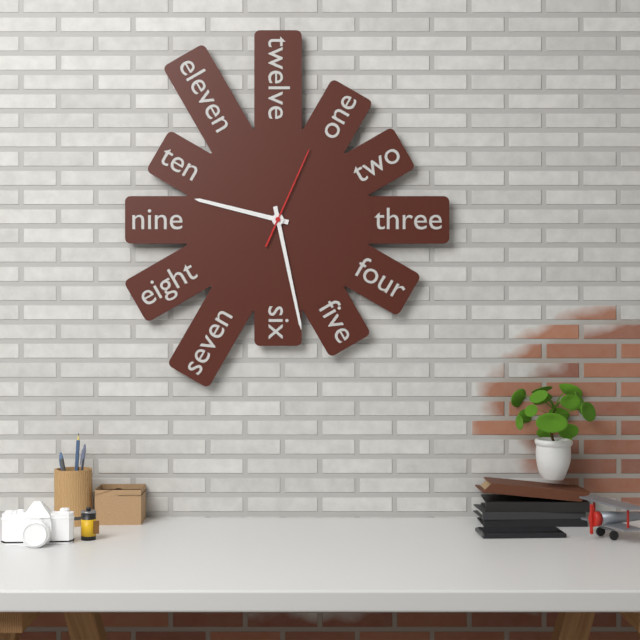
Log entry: 9,28,04
